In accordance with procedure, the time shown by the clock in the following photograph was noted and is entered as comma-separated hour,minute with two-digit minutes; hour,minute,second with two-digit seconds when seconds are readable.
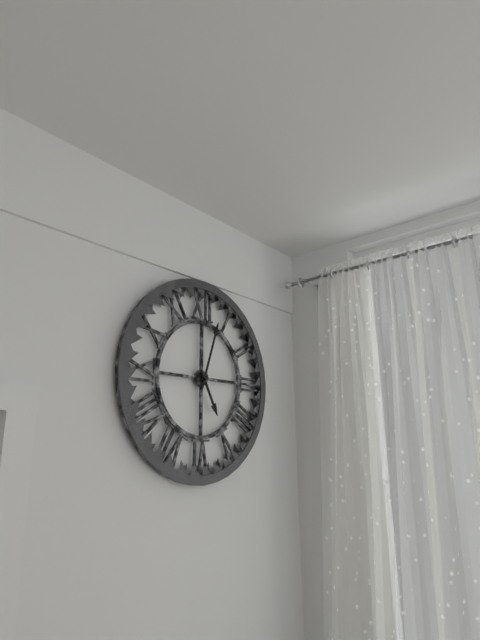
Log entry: 5,03
